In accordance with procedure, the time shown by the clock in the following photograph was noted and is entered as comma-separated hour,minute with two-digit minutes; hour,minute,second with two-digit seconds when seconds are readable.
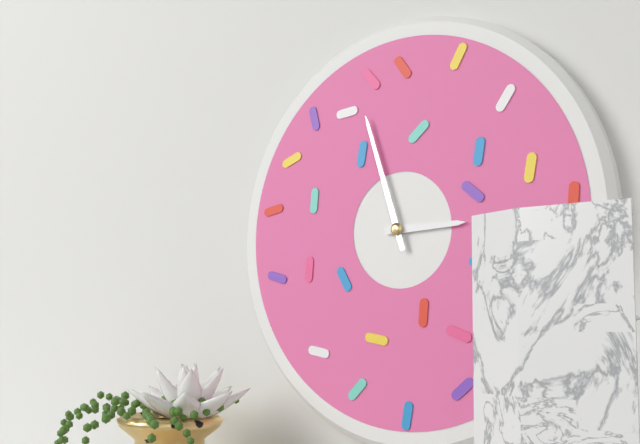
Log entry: 2,57
